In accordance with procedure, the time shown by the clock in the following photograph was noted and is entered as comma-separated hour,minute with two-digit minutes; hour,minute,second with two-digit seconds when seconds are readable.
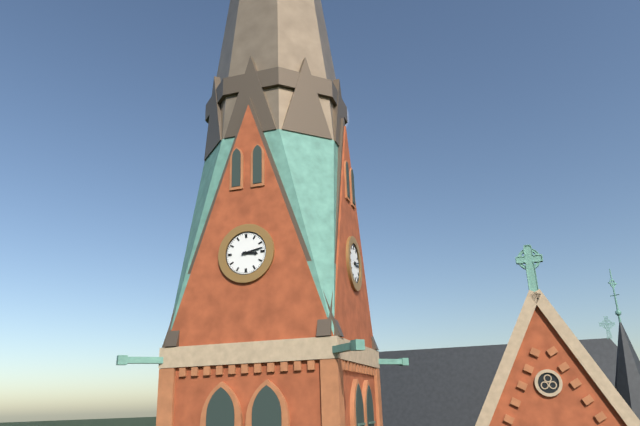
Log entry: 3,13
